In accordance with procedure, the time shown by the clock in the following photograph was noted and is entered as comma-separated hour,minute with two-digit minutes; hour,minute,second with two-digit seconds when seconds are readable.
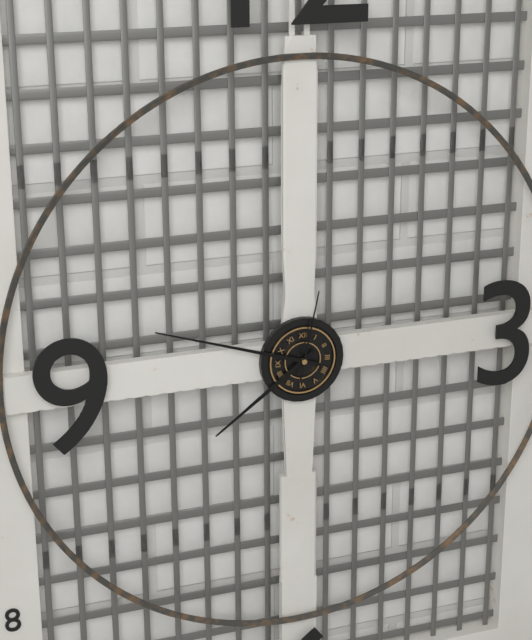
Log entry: 7,48,02
